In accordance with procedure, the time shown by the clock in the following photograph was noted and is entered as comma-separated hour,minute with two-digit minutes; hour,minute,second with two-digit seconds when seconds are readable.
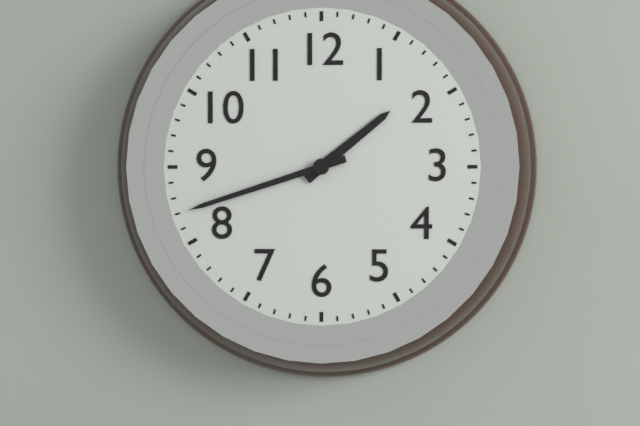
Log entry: 1,42
